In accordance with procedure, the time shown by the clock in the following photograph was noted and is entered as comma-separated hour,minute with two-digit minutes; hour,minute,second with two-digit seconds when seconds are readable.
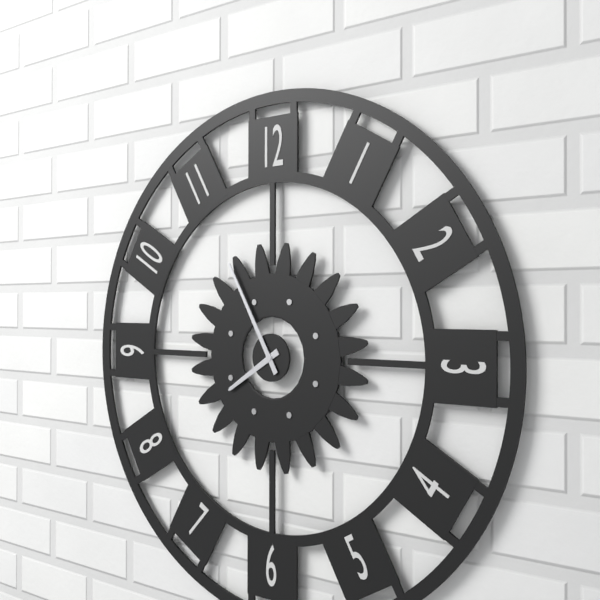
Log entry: 7,55
